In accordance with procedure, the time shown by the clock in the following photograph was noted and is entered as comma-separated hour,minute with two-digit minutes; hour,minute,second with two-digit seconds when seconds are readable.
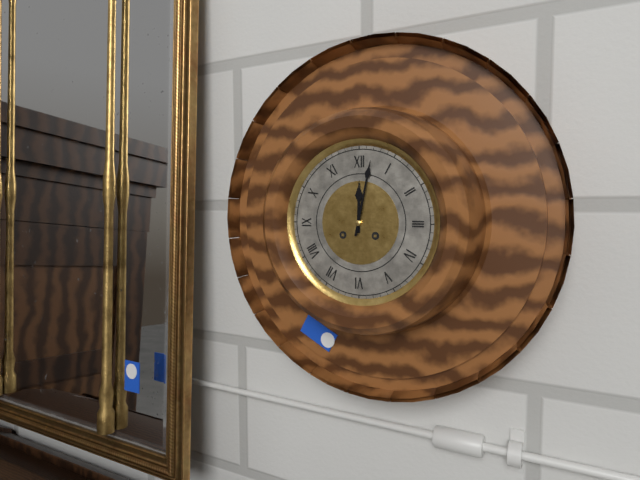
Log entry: 12,02
